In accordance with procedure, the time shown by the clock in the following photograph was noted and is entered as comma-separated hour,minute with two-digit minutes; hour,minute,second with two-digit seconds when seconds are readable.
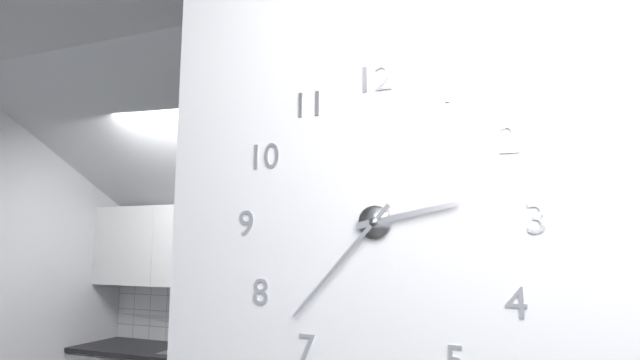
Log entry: 2,37
